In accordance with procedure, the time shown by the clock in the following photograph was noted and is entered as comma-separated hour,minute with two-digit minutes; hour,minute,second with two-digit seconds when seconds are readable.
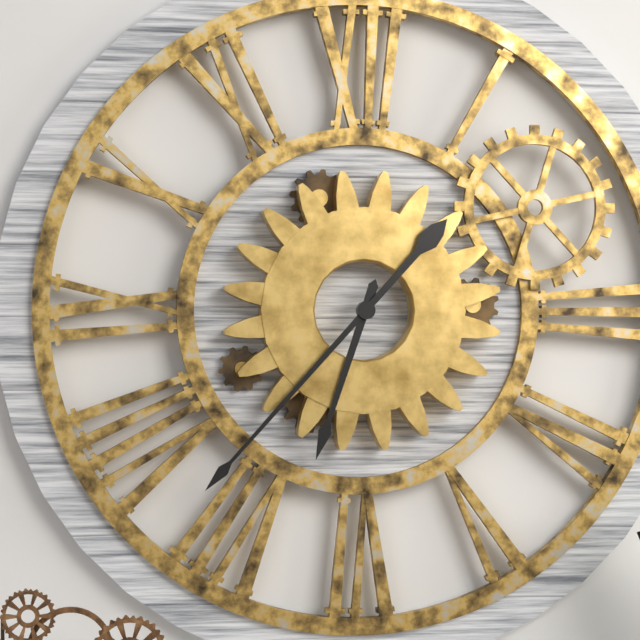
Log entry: 6,37
